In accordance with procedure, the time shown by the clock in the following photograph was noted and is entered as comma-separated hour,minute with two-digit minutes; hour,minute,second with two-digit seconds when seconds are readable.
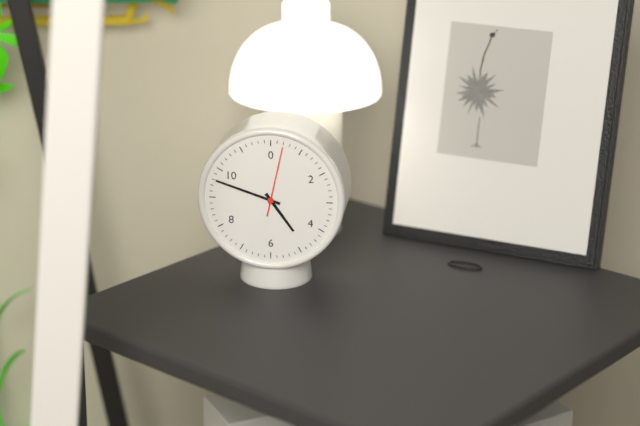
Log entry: 4,48,02
